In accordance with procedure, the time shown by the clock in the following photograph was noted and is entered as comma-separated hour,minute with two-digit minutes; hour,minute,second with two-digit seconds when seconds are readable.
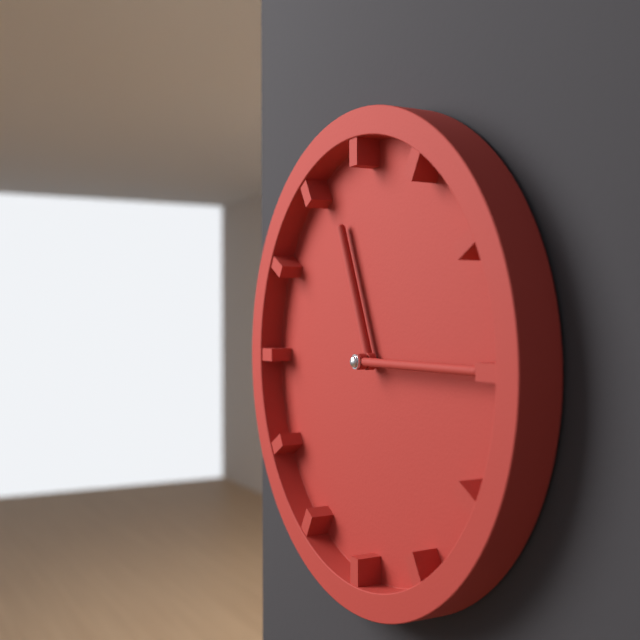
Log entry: 11,15
